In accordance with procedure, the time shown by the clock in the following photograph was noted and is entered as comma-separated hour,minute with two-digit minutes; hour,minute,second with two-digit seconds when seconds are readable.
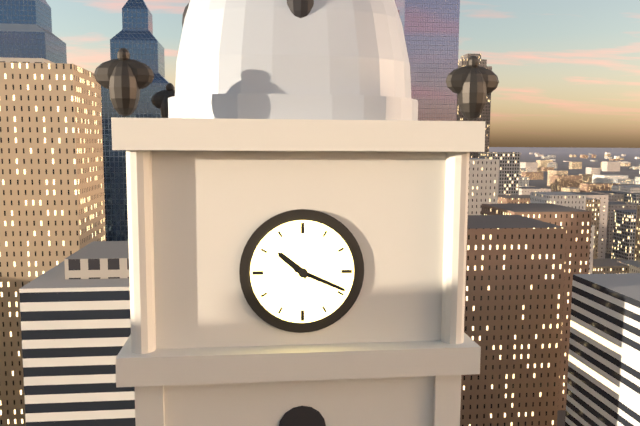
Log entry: 10,19
